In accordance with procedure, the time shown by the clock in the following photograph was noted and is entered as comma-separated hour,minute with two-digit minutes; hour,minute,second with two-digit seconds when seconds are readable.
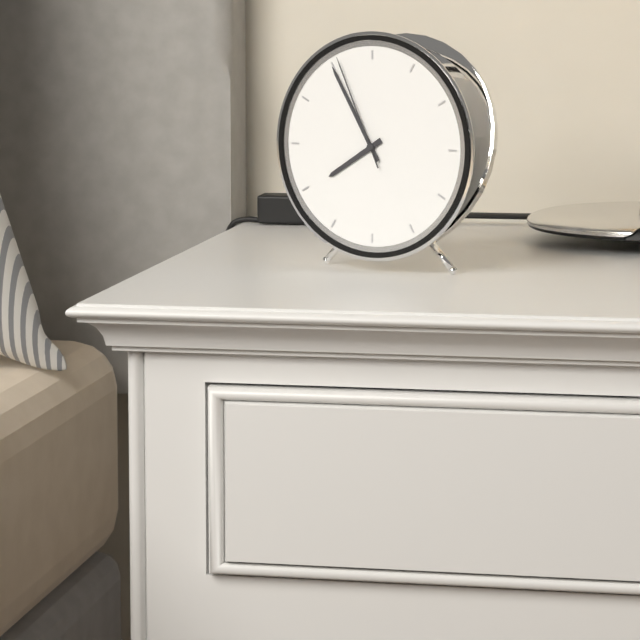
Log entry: 7,55,56
